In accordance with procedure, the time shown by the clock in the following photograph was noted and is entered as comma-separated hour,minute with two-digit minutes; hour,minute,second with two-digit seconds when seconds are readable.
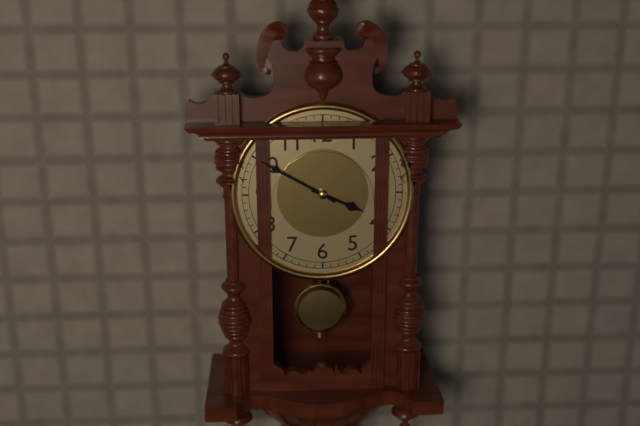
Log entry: 3,50
